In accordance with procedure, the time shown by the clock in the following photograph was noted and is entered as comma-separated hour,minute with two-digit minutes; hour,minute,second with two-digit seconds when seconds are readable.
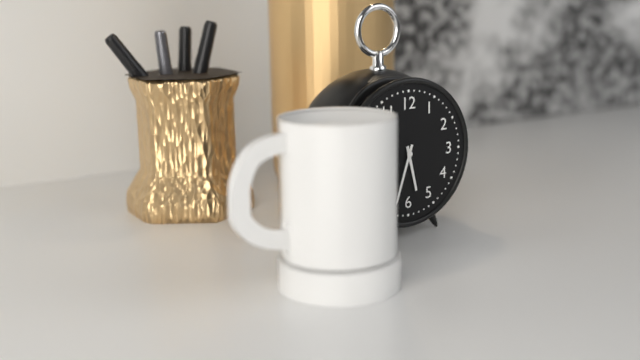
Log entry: 5,33
